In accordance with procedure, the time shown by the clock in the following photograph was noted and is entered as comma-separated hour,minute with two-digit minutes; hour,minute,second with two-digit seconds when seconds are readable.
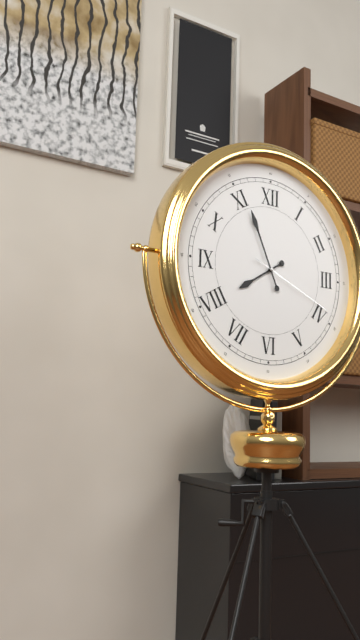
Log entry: 7,56,19
